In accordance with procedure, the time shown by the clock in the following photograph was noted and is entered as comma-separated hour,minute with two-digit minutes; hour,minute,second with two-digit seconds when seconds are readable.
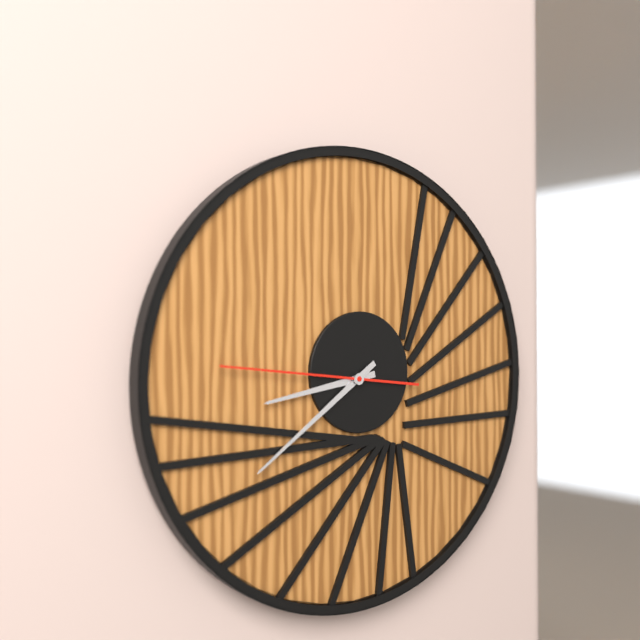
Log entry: 8,39,46
